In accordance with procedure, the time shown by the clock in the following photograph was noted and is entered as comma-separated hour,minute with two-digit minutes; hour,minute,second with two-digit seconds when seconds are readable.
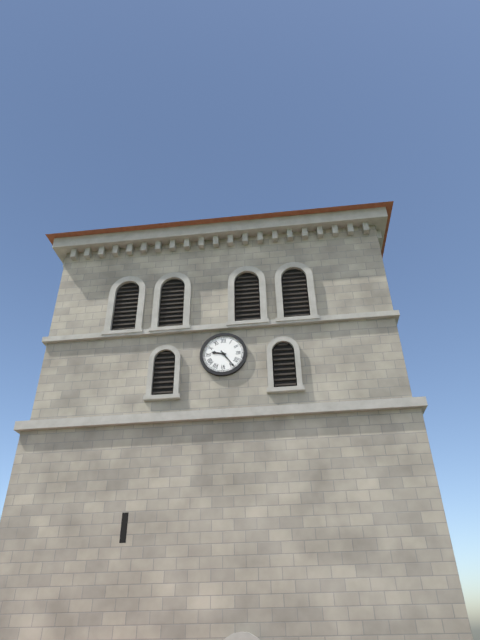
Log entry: 9,24
